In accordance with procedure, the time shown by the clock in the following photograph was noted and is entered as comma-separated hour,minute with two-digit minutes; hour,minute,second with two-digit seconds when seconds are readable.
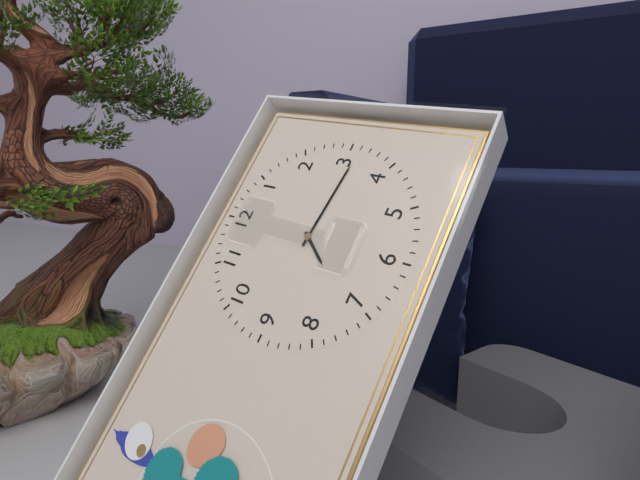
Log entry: 7,16
